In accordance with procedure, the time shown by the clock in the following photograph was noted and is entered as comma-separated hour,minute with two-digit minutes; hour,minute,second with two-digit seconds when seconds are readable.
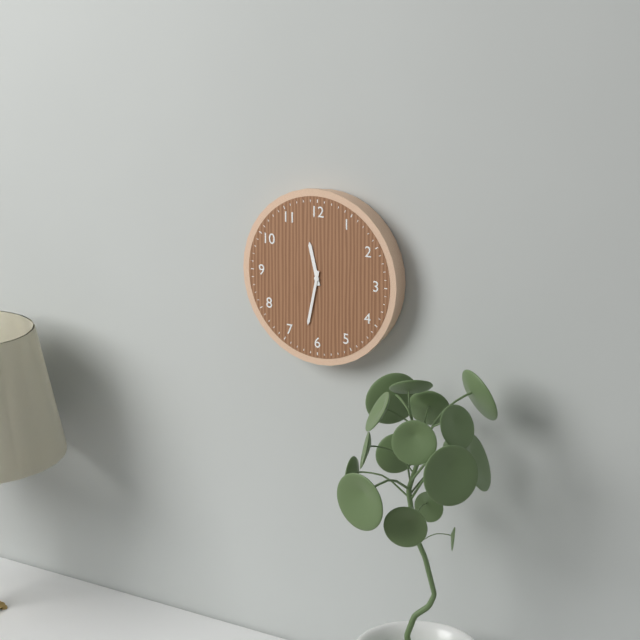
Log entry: 11,32
